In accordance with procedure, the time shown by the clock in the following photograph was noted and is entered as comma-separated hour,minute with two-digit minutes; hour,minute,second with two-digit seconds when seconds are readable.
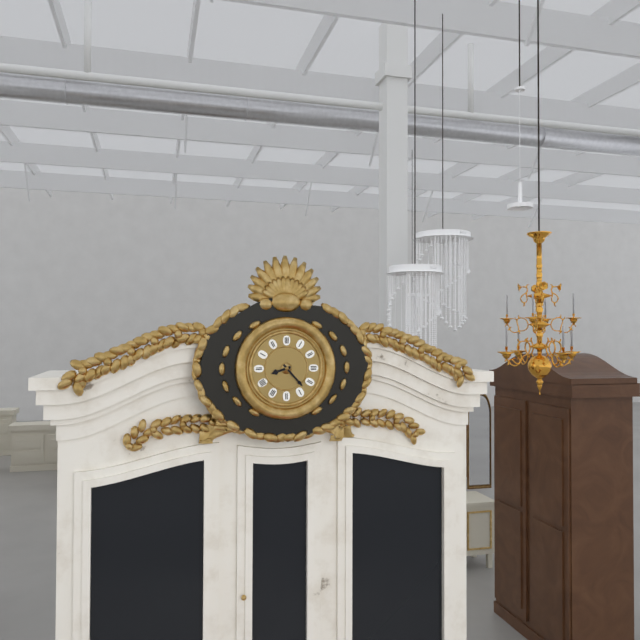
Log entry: 8,23
